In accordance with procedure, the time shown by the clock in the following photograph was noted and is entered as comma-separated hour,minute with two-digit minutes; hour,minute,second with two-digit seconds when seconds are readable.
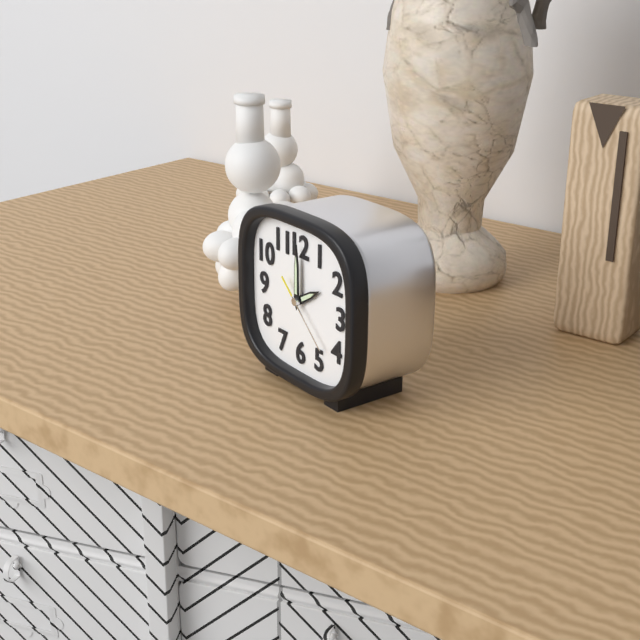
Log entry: 2,00,22
